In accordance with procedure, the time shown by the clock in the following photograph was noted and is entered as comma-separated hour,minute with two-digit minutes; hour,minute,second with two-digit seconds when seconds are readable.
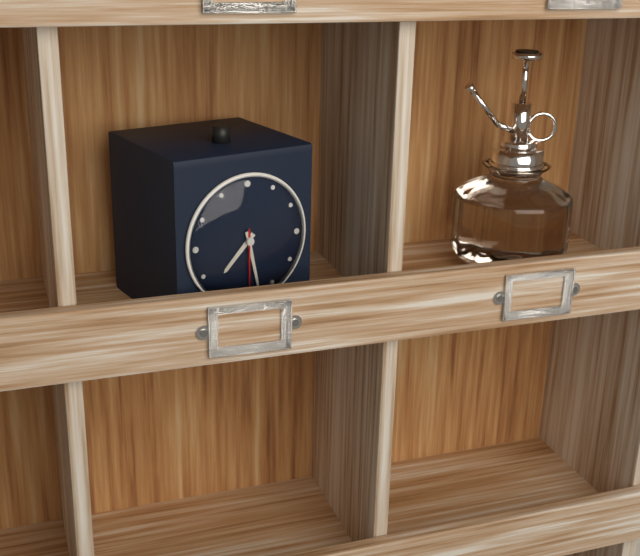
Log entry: 7,28,30
